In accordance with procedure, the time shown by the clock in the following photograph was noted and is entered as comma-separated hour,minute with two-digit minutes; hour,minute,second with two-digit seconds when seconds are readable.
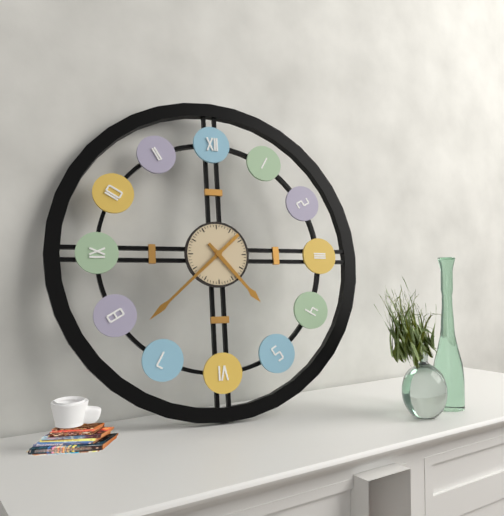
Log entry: 4,38
